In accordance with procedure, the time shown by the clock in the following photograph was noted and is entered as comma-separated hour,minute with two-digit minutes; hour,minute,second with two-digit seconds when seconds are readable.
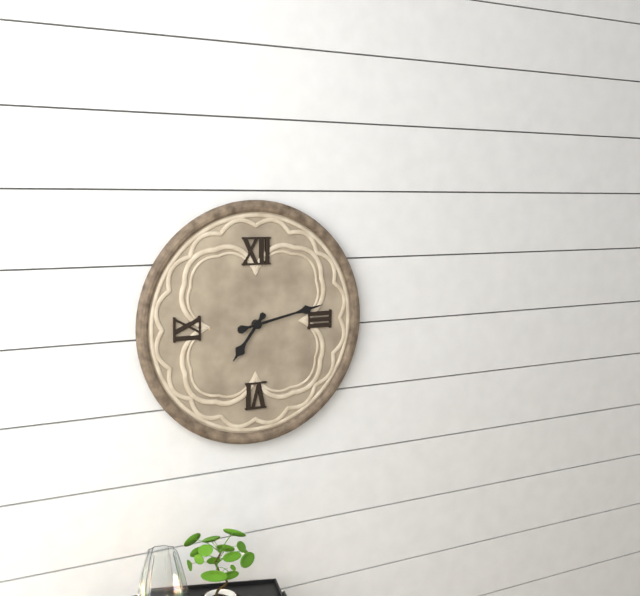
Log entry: 7,13
